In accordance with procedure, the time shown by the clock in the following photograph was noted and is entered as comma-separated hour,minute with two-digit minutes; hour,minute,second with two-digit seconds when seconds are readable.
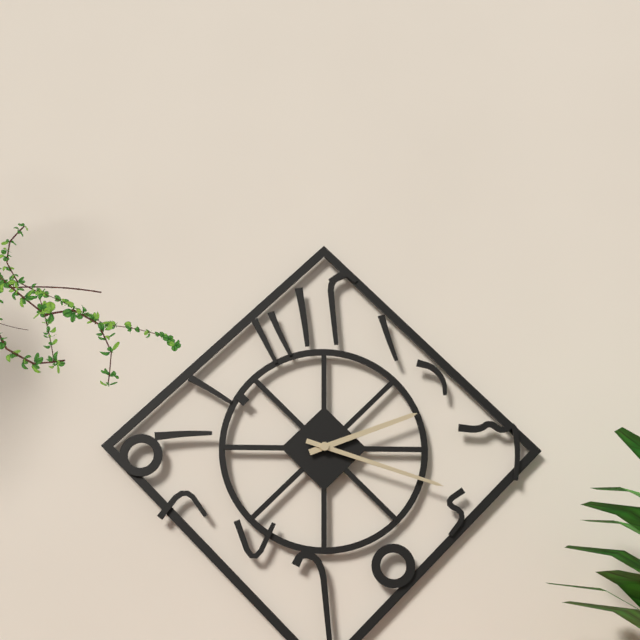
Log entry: 2,18
